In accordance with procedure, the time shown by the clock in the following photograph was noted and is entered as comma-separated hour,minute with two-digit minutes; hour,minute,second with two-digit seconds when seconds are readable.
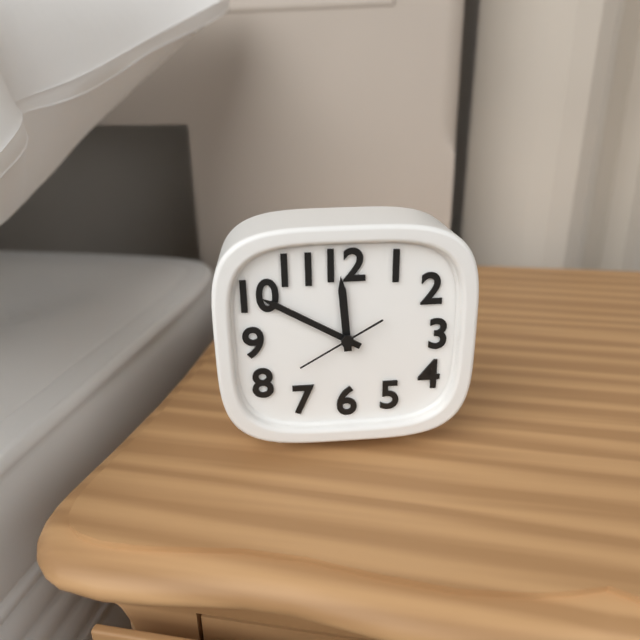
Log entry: 11,50,40
